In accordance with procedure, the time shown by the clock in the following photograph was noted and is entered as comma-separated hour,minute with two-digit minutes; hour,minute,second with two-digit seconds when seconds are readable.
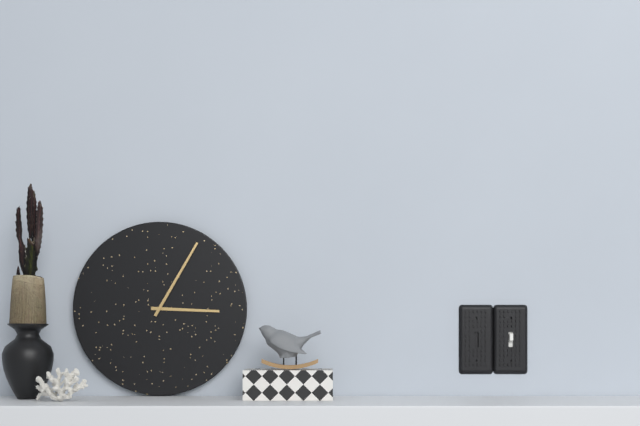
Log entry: 3,05
